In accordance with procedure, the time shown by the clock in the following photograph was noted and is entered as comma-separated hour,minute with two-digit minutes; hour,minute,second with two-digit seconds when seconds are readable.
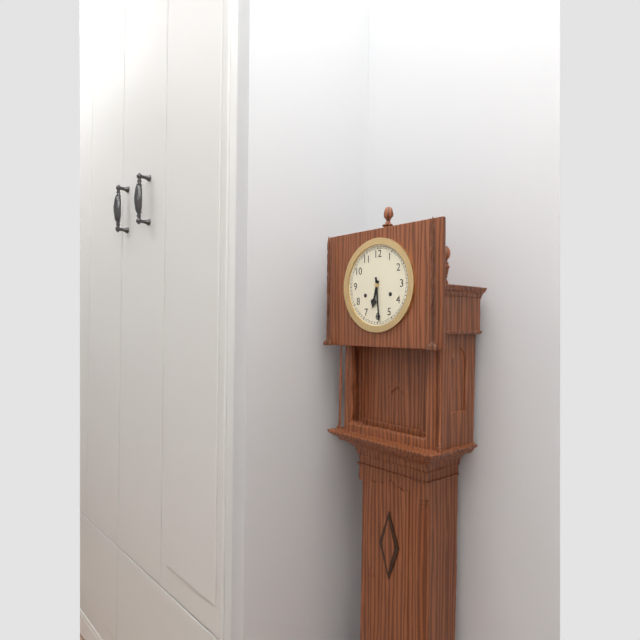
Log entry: 6,29
